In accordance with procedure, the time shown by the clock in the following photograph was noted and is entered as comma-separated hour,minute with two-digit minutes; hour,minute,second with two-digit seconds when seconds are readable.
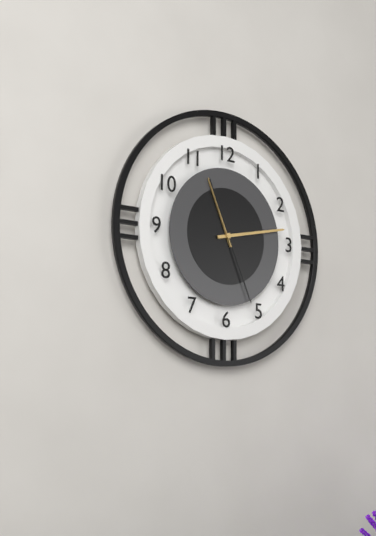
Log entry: 11,13,26
